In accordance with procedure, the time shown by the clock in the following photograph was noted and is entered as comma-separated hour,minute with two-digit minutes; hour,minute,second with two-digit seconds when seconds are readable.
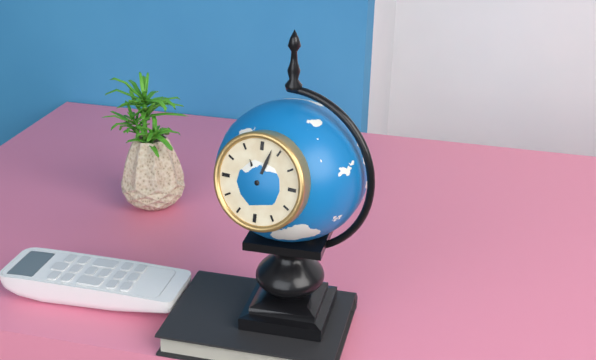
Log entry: 11,03
